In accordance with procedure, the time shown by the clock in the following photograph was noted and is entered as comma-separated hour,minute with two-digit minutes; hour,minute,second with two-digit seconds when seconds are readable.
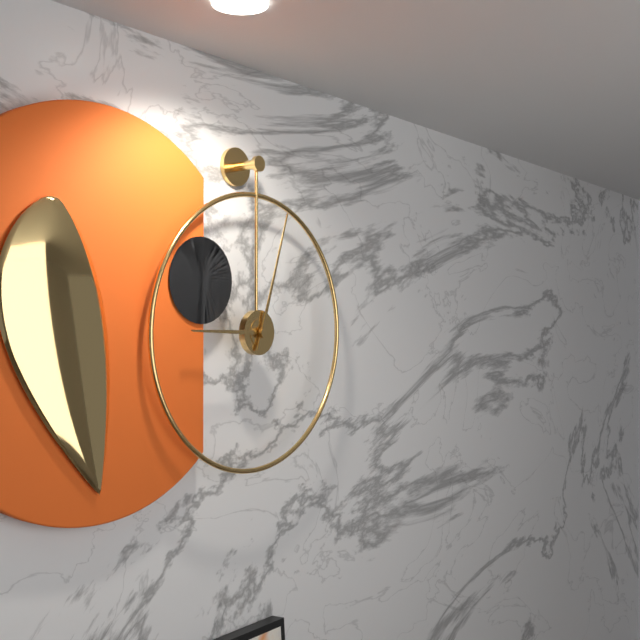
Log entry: 9,03
